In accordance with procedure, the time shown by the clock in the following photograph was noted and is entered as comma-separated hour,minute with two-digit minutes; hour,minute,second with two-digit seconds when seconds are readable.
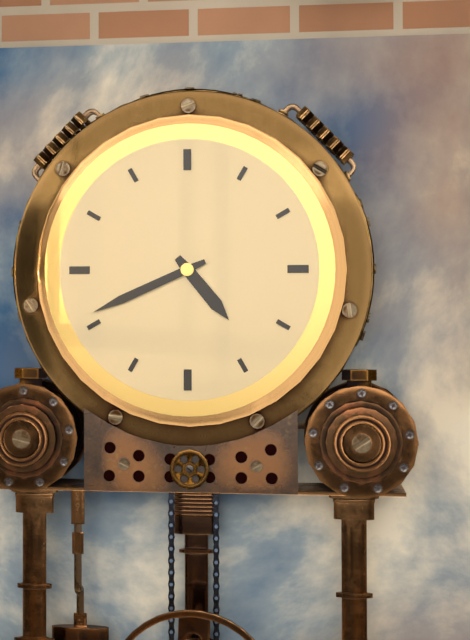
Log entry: 4,41
